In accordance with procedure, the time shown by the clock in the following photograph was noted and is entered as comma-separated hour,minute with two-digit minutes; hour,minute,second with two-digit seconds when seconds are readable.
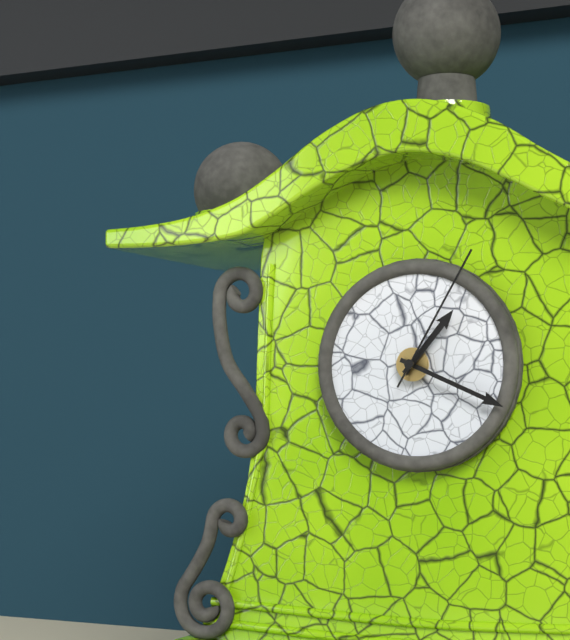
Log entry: 1,19,05
